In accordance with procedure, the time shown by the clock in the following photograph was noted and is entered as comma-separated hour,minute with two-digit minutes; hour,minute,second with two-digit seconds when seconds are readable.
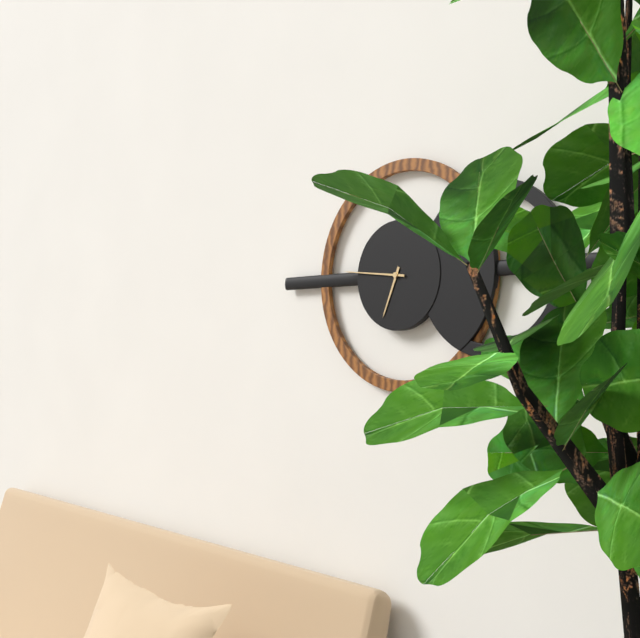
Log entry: 6,46
